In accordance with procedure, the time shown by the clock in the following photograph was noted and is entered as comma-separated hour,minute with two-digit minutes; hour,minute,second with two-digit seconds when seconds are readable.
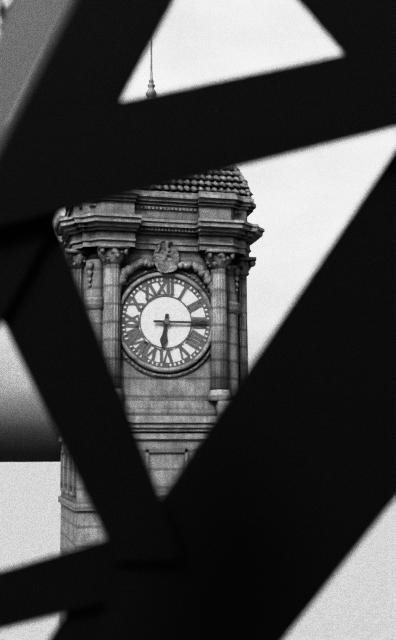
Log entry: 6,15
